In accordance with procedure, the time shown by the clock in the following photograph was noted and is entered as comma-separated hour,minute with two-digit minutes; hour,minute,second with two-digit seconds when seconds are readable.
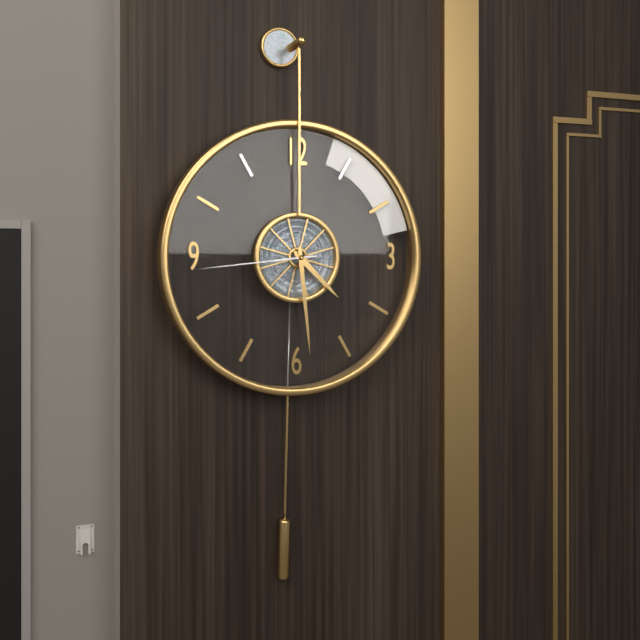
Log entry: 4,29,44
